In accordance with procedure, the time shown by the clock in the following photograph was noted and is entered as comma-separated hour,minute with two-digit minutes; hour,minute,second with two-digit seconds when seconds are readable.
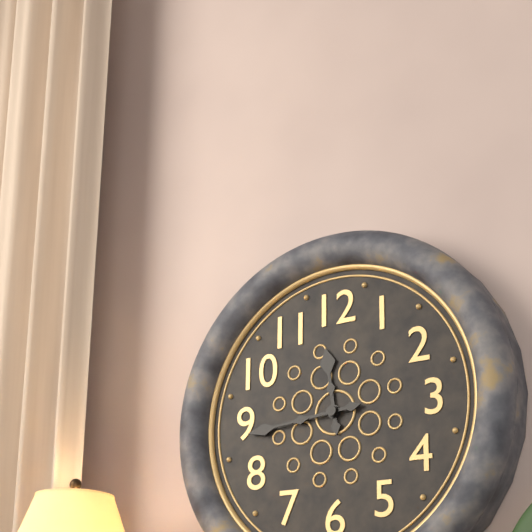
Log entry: 11,44
